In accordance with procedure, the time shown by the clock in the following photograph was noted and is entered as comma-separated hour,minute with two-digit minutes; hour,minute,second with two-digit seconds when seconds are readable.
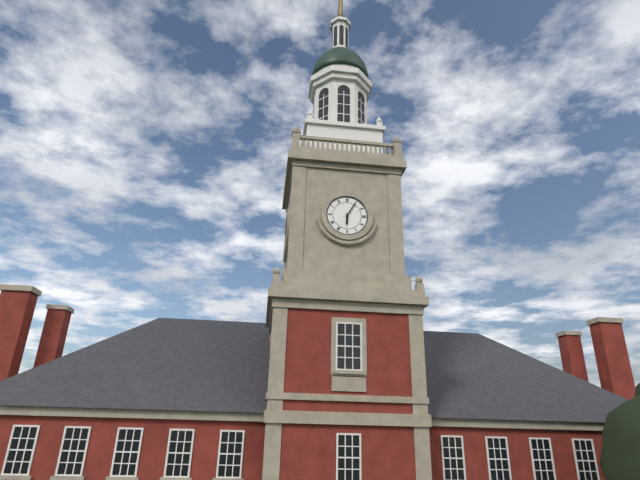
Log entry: 6,05
